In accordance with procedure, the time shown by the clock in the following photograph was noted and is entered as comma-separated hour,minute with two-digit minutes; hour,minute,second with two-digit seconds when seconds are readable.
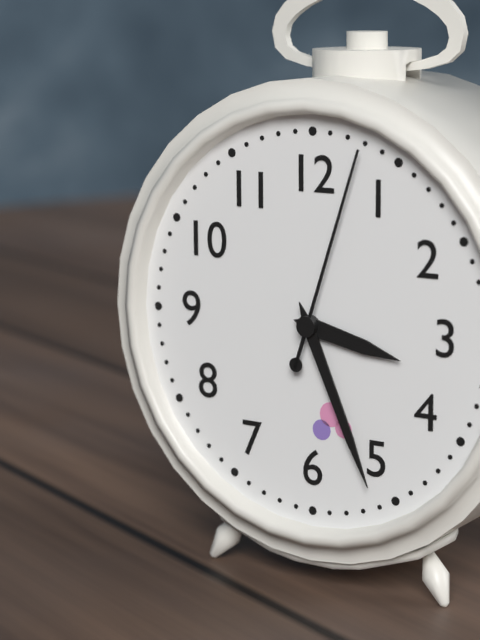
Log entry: 3,26,03
